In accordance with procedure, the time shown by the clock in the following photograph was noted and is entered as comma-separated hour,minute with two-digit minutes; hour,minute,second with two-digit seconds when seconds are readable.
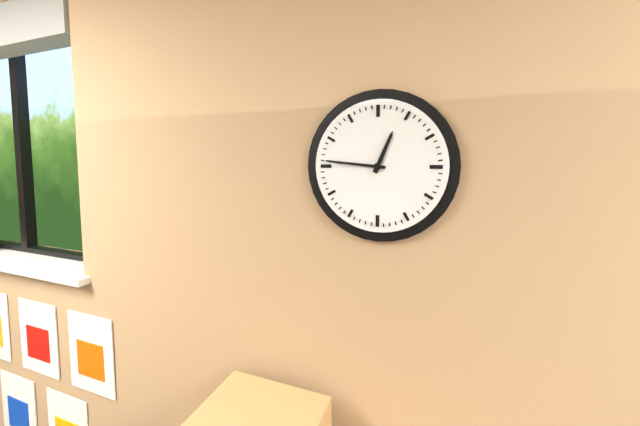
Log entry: 12,46
